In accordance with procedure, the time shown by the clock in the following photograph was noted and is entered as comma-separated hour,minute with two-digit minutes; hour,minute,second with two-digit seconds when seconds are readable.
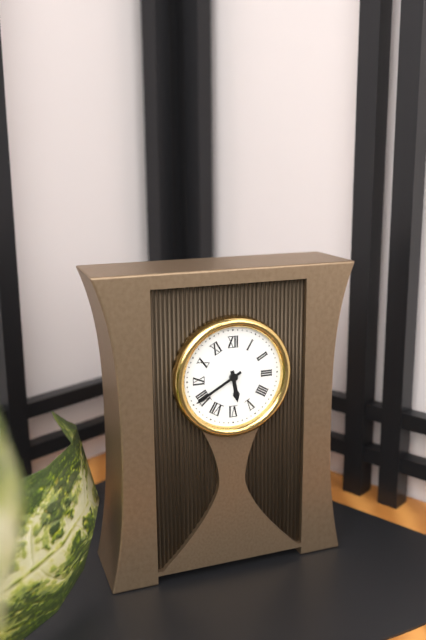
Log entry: 5,40
